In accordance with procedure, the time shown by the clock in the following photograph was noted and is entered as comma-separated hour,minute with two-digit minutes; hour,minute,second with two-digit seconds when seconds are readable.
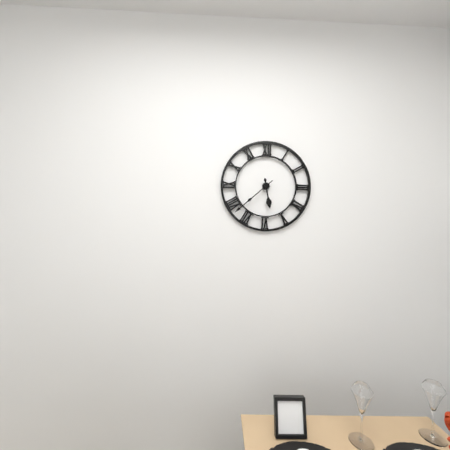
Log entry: 5,38
